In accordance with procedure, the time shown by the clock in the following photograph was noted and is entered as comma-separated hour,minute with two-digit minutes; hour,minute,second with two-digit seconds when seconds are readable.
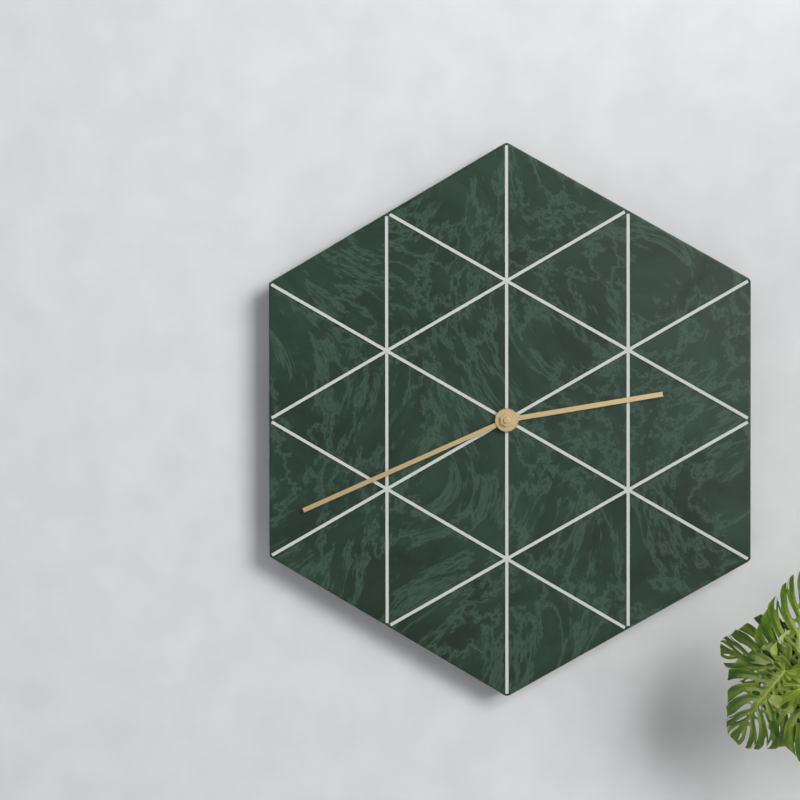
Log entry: 2,41
